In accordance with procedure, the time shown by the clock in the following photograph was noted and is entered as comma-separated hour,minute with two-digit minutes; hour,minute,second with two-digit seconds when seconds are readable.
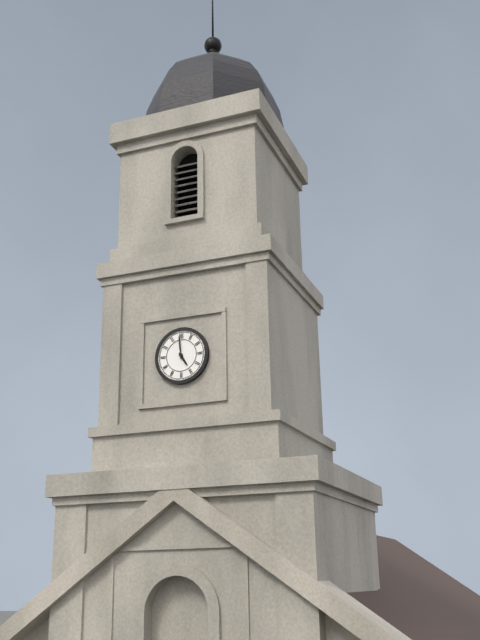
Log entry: 4,59
